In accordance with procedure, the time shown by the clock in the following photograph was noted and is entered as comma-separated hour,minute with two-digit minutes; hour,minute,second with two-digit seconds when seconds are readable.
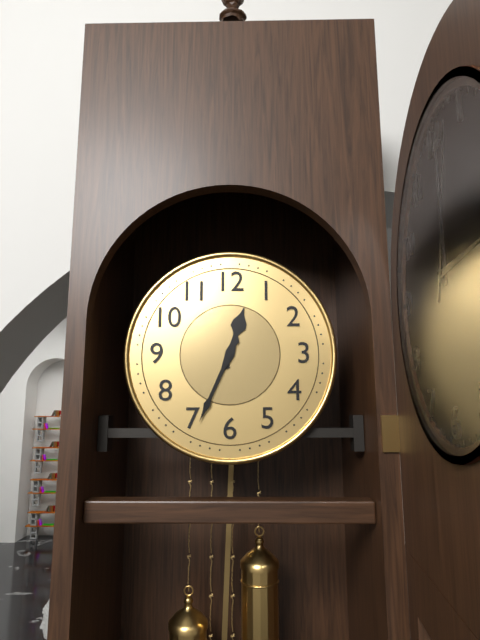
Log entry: 12,34
